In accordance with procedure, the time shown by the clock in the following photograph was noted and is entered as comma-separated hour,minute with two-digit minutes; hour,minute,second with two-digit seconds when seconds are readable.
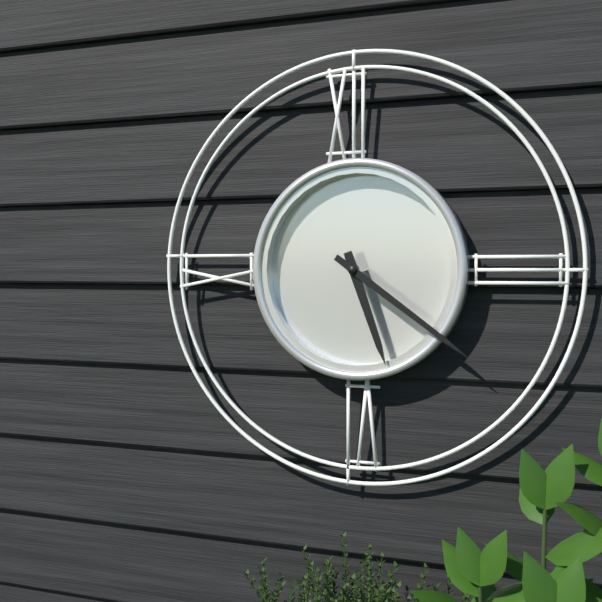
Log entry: 5,21
